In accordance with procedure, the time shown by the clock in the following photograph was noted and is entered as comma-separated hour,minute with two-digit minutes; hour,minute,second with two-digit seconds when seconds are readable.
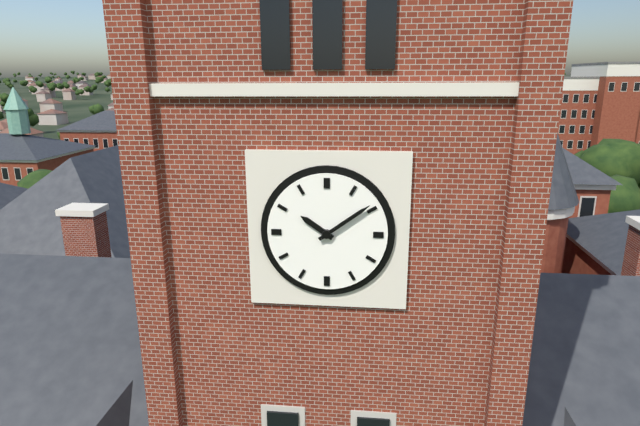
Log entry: 10,09
